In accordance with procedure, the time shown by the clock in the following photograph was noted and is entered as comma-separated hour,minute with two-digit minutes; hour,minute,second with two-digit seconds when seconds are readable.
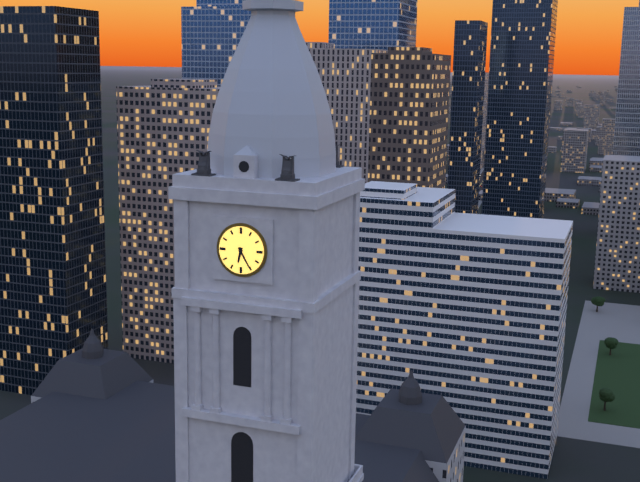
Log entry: 6,25
